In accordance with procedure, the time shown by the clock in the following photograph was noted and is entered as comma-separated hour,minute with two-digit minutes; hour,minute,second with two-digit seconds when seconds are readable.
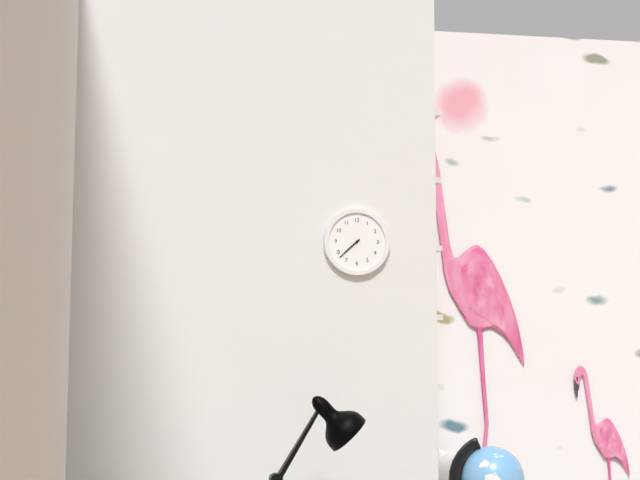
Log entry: 7,38
